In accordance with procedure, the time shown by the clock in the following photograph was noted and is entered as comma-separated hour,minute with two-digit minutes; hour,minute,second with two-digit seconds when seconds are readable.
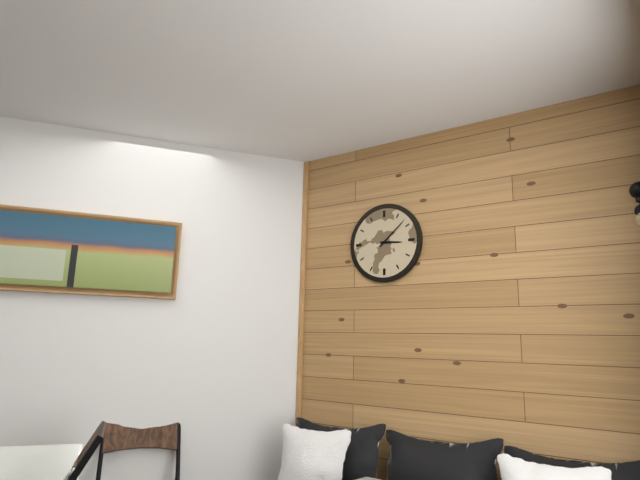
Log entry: 3,08
